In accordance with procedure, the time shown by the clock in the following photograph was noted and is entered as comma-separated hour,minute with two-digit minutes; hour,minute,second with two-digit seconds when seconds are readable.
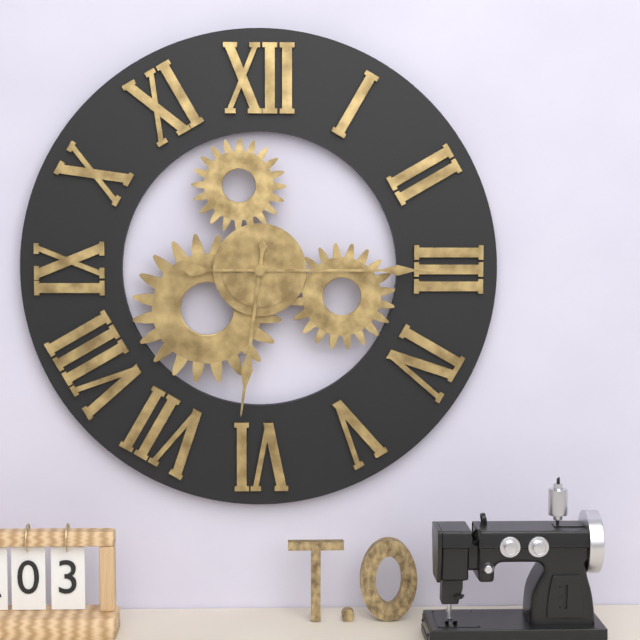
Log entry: 6,15
